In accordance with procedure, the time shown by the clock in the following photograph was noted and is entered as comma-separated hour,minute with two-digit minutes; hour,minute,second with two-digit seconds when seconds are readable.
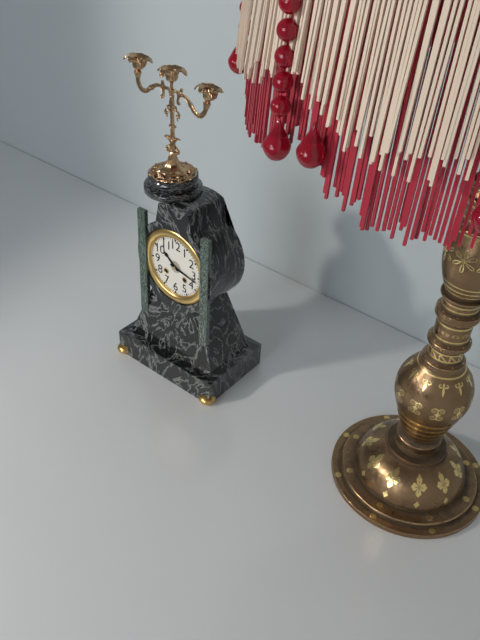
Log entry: 10,17
